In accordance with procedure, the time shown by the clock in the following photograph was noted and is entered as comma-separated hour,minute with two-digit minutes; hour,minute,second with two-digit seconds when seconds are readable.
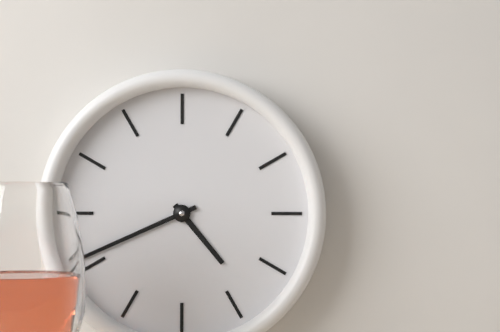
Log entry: 4,41
